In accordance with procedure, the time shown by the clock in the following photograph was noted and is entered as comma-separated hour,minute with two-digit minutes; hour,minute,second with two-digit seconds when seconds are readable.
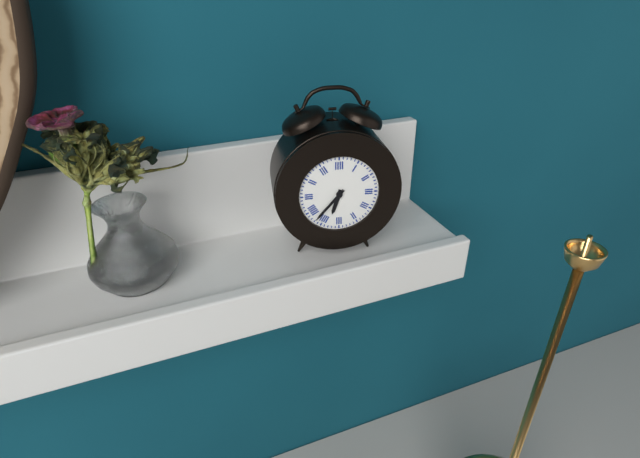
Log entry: 6,37
